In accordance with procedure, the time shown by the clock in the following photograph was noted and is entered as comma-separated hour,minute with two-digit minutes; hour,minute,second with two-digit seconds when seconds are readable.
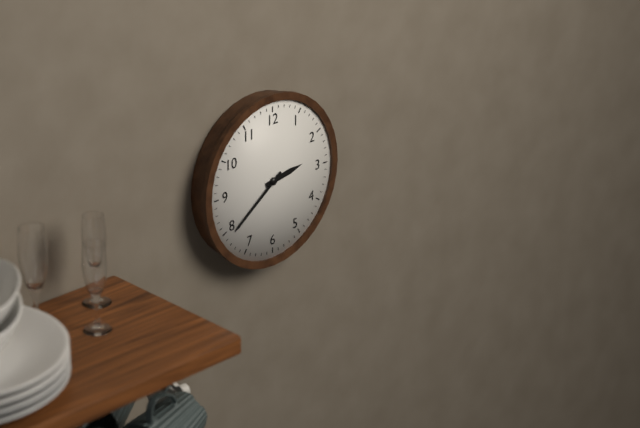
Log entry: 2,39
